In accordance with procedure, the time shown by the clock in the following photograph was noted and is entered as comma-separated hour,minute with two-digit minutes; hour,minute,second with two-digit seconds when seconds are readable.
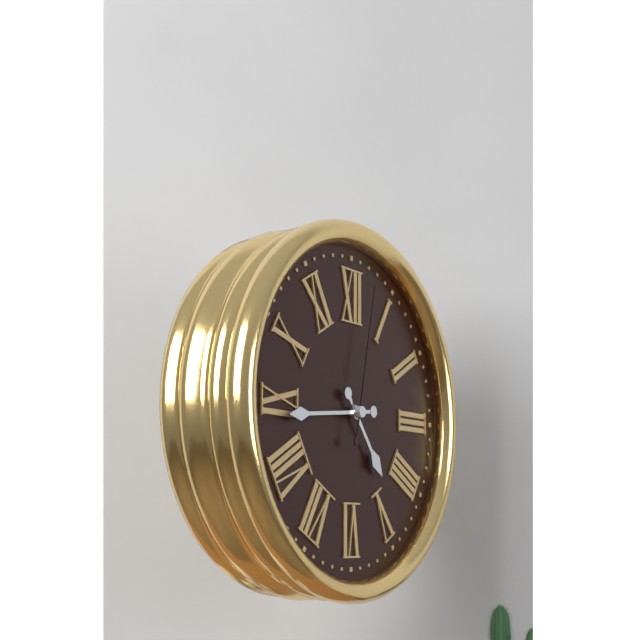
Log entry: 4,44,02
